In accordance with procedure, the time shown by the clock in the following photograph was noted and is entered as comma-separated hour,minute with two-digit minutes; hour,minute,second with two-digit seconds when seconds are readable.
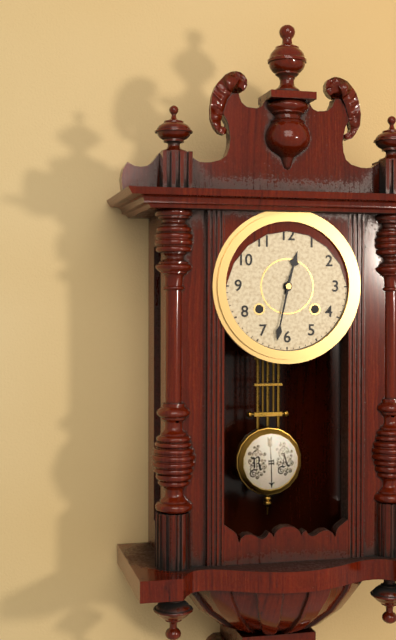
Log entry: 12,32
